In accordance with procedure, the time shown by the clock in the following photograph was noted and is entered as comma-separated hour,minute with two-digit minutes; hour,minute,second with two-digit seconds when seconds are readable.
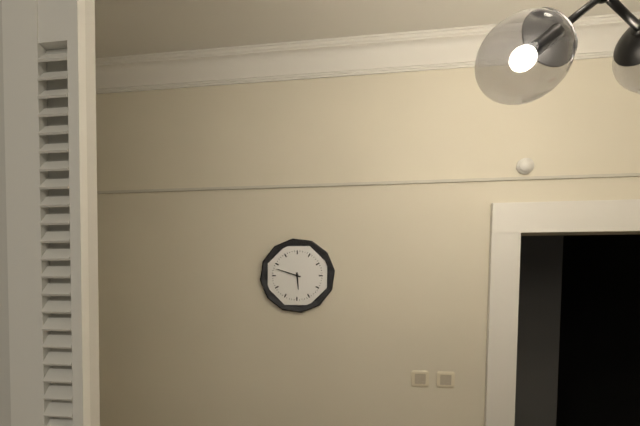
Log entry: 5,48
